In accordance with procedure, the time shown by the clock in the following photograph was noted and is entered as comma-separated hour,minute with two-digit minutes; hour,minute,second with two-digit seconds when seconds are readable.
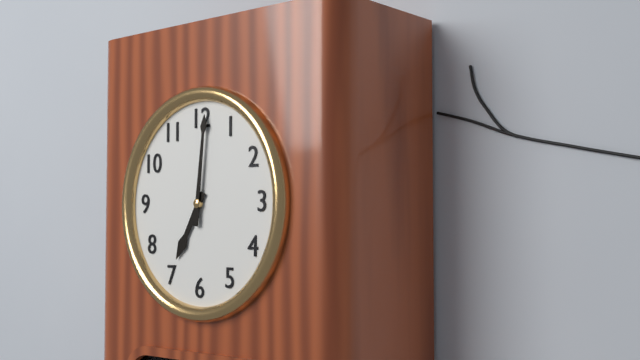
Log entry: 7,01
